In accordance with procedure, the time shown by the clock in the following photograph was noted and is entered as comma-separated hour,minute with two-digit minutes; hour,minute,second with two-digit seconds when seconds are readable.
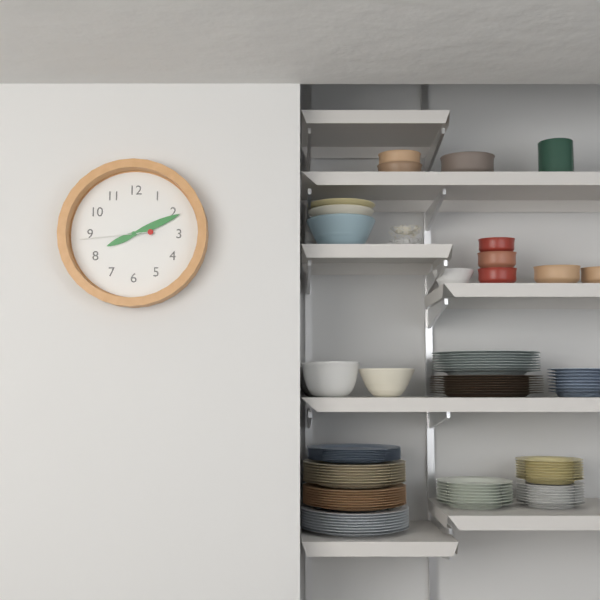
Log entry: 8,11,44
